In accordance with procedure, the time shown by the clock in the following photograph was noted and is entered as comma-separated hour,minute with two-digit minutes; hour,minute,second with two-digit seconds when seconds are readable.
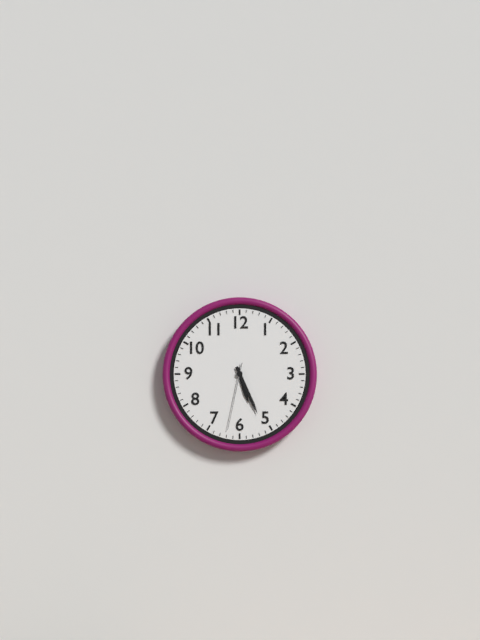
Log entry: 5,26,32
